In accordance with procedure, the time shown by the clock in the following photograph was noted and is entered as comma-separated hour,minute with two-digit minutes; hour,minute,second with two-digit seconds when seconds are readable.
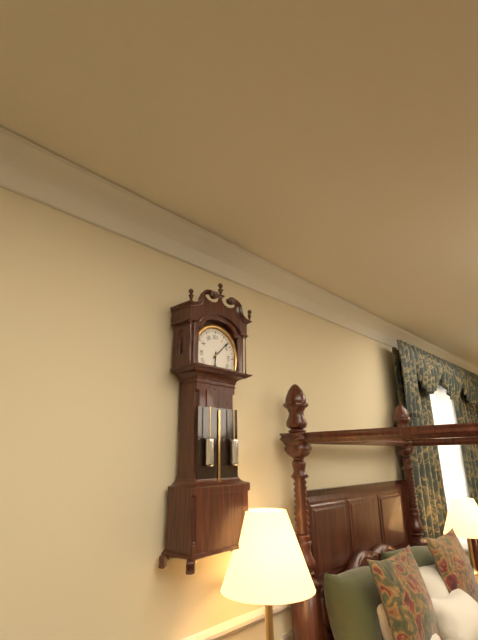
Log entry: 6,08
